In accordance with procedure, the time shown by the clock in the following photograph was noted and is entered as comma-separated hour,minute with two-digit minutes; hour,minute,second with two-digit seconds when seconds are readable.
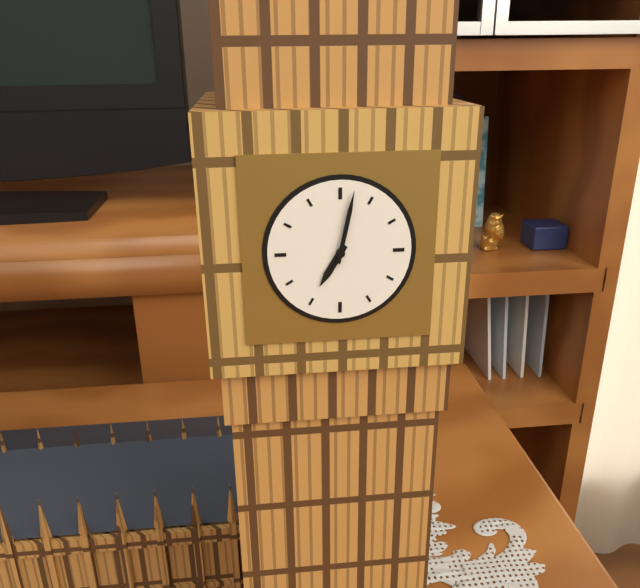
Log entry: 7,02
